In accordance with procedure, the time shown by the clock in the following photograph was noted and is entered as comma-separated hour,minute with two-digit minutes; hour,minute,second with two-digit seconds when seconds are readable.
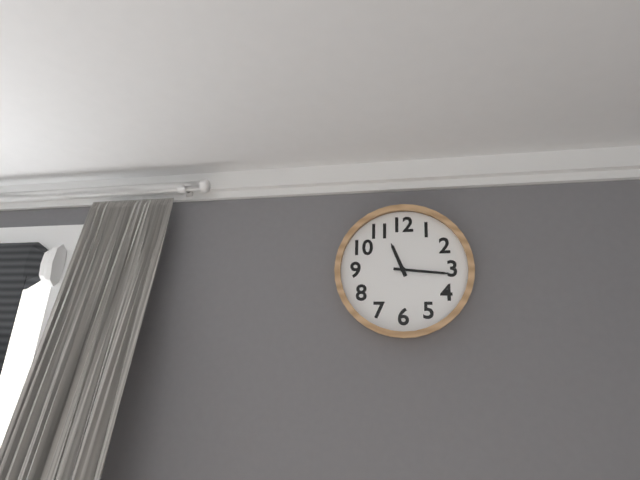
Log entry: 11,16
